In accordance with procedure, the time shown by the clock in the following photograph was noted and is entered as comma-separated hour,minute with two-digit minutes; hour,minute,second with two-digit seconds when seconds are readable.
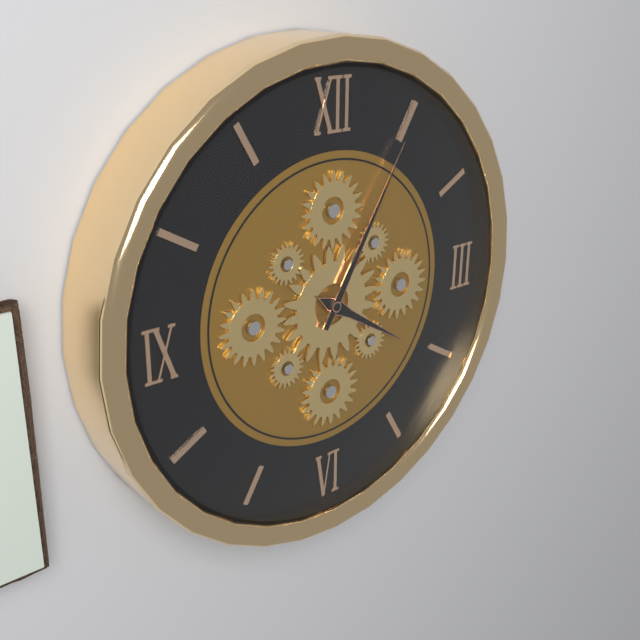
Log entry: 4,05
